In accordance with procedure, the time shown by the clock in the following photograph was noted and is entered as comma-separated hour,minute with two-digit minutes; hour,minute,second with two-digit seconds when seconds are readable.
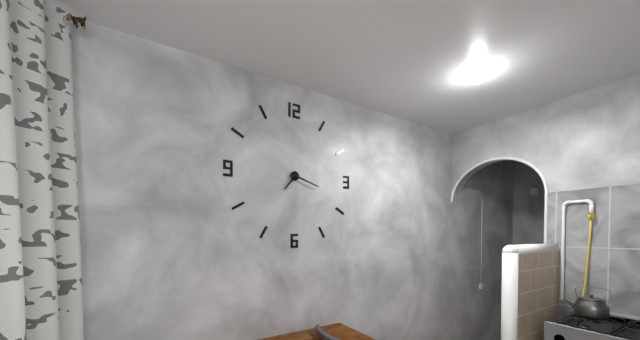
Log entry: 7,18
